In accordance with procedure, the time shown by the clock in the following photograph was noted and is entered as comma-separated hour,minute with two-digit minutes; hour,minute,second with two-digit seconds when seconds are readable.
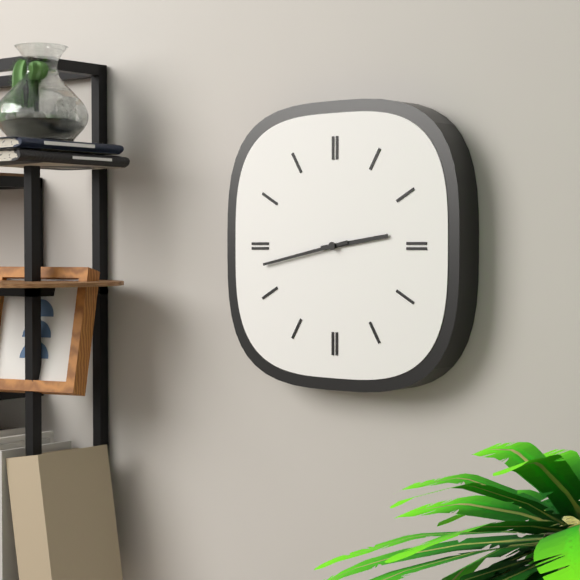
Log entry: 2,43
